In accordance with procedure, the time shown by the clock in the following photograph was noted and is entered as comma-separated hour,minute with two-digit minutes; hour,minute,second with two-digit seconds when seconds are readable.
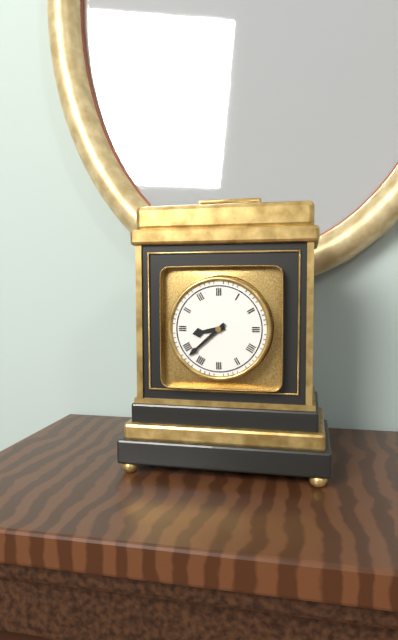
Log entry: 8,38
